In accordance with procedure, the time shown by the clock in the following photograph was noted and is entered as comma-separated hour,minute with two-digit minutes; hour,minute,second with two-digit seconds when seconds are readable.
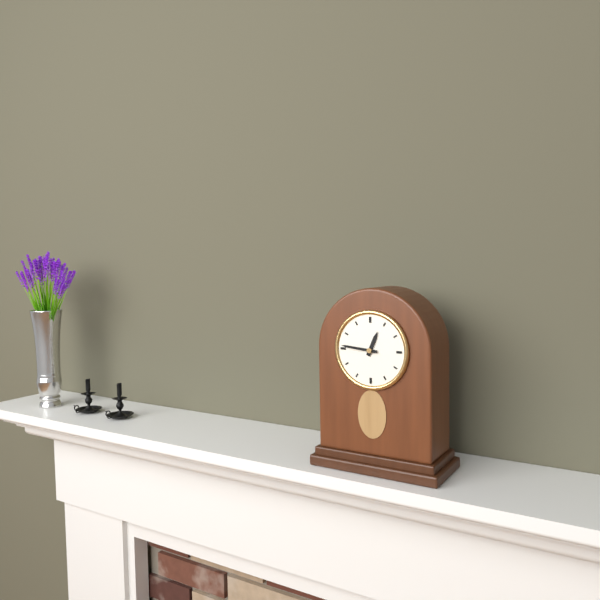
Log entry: 12,46
